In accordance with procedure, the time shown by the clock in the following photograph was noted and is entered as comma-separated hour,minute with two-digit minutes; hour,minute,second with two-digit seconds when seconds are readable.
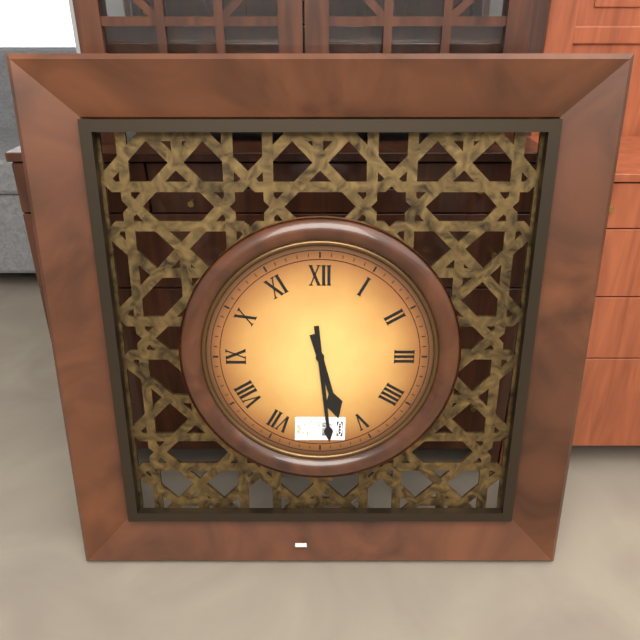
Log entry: 5,29
